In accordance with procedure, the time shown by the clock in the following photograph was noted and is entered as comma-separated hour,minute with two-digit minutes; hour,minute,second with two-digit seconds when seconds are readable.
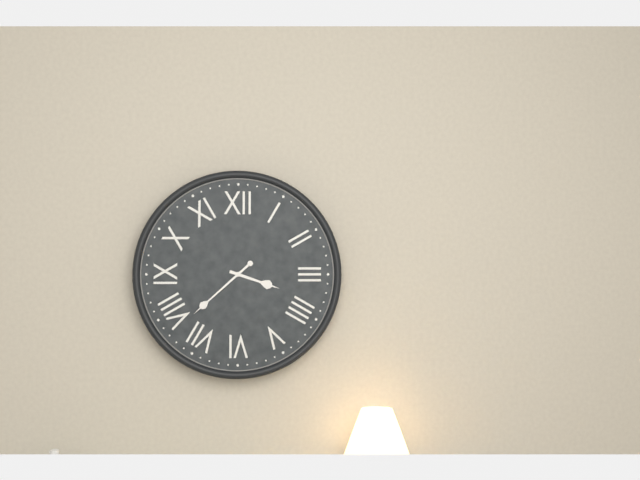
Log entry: 3,38
